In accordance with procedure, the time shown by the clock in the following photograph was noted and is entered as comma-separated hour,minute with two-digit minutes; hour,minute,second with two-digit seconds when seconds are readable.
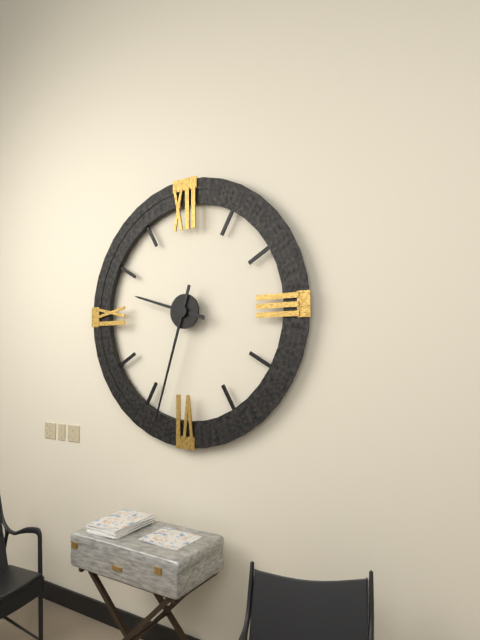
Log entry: 9,33
